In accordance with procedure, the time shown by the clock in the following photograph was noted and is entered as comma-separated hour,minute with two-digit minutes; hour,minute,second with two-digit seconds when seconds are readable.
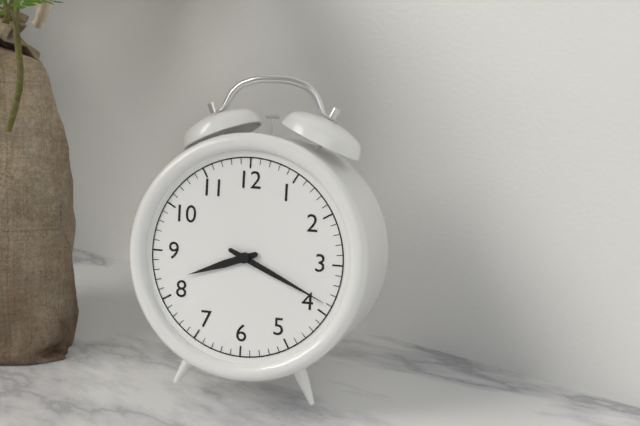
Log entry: 8,19
